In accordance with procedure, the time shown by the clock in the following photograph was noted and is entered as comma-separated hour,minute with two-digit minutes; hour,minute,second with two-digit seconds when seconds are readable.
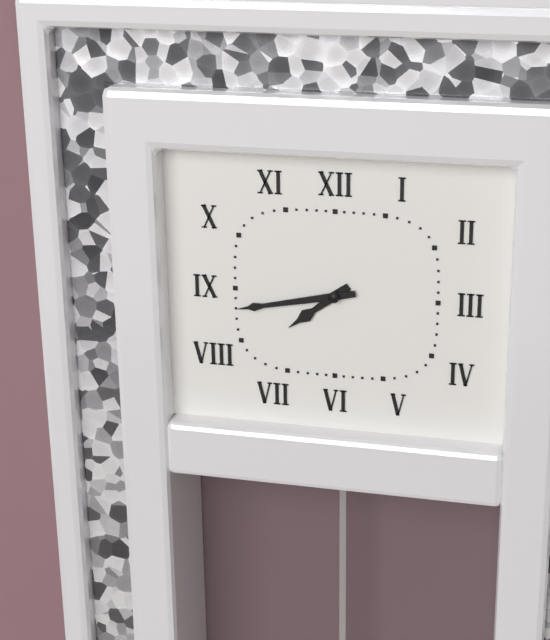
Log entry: 7,43
